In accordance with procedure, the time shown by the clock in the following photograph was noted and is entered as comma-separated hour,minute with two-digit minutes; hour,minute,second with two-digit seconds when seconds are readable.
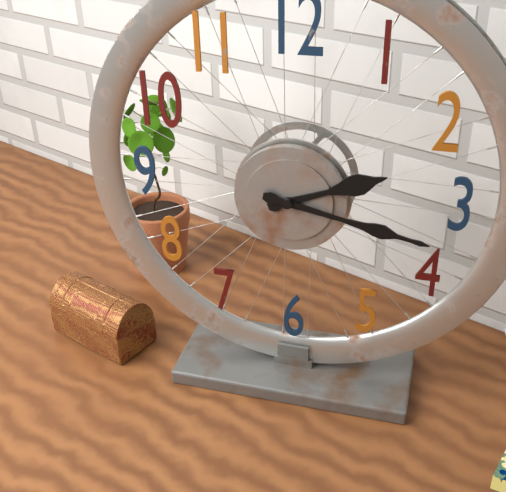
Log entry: 2,17
